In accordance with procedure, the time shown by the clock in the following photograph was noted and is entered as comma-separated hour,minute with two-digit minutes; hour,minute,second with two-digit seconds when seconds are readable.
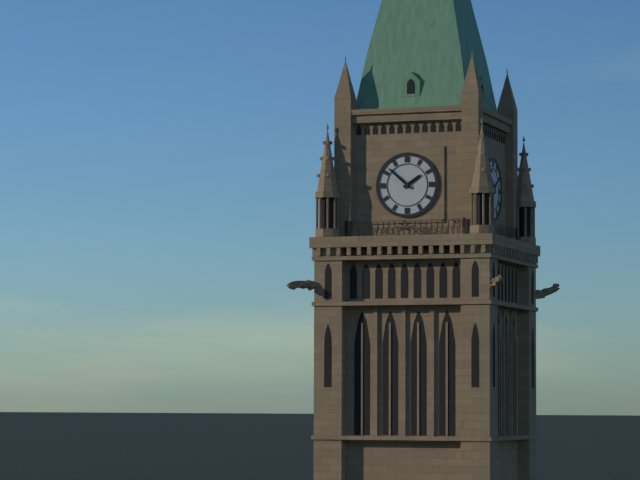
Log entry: 1,52
